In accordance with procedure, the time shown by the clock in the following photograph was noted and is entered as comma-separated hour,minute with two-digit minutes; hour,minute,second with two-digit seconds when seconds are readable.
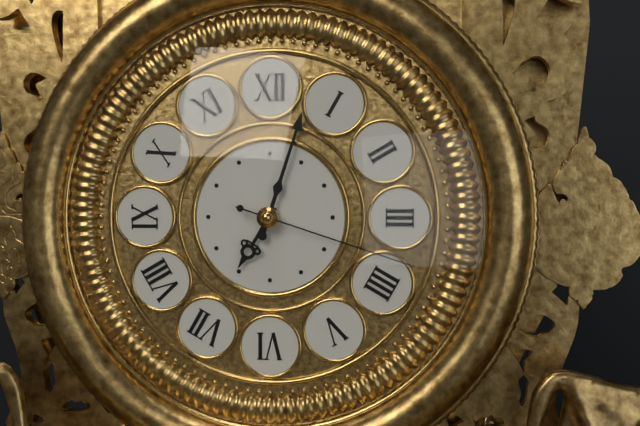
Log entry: 7,03,18
